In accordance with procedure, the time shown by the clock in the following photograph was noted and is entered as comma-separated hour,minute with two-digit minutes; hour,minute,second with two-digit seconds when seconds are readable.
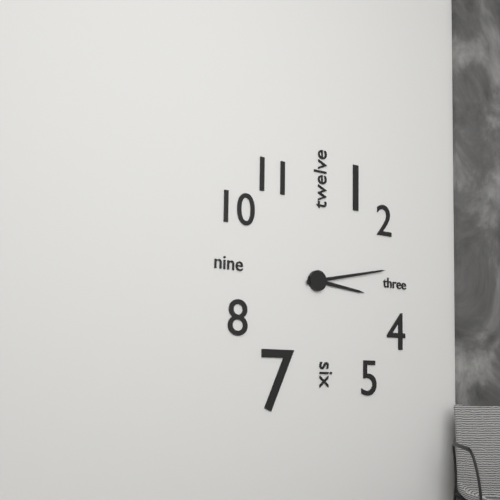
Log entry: 3,13
